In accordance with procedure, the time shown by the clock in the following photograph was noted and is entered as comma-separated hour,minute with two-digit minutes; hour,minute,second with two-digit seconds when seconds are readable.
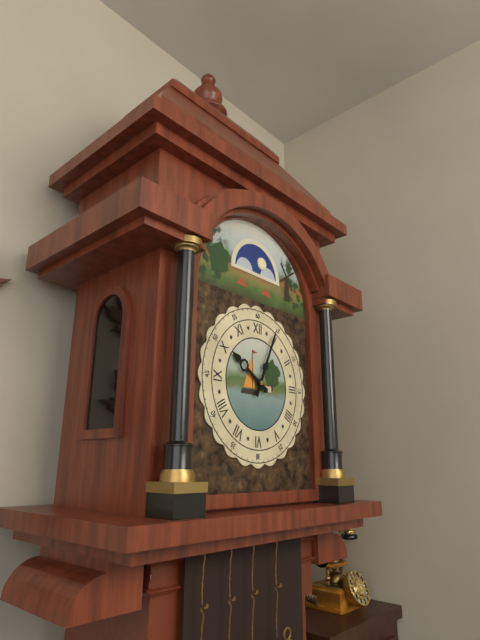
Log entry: 10,04
